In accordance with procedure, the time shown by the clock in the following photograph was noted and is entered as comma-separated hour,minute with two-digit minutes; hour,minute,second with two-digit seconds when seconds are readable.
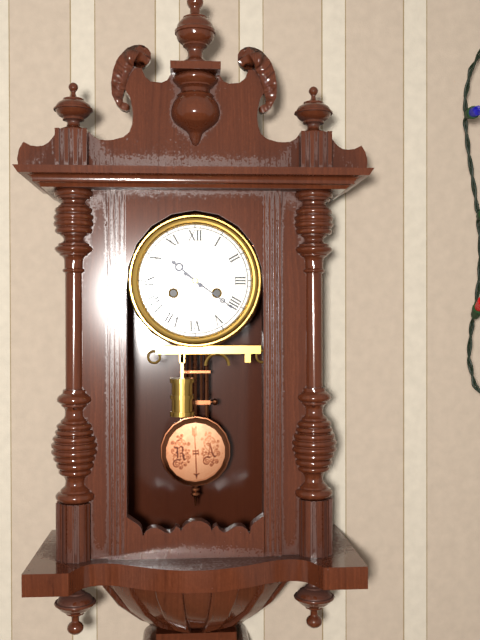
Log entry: 10,21
